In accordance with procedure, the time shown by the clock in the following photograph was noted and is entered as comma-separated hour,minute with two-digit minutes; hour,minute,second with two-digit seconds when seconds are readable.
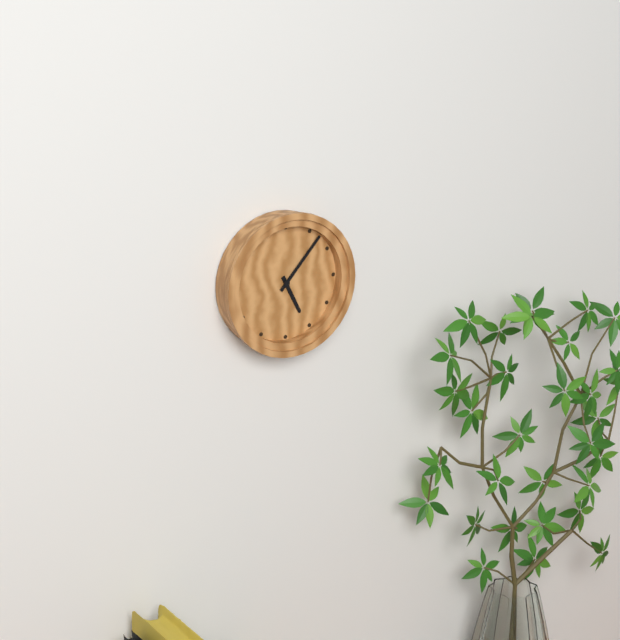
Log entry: 5,07
